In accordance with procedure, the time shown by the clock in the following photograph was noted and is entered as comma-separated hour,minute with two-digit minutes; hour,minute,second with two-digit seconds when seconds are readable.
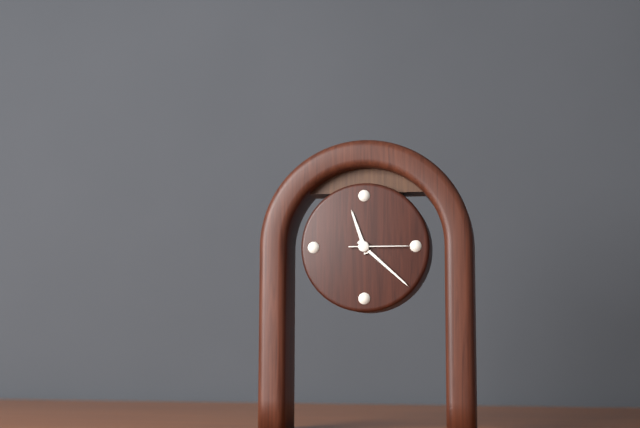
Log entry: 11,22,15
